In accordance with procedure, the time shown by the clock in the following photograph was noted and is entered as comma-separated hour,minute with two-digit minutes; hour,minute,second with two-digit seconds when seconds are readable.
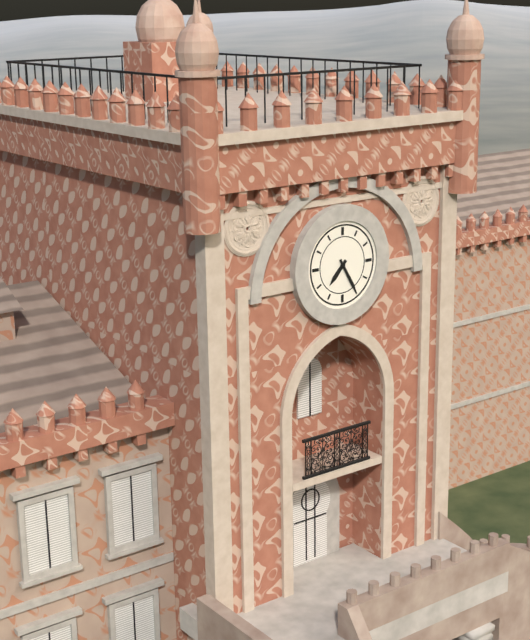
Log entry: 7,25
